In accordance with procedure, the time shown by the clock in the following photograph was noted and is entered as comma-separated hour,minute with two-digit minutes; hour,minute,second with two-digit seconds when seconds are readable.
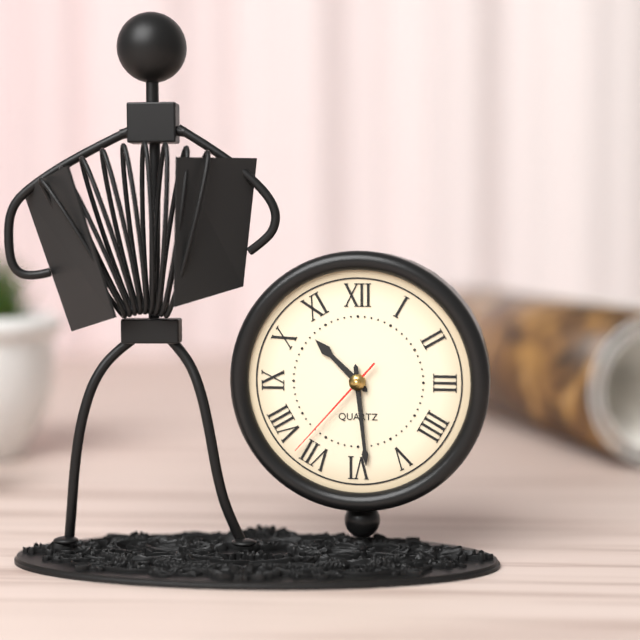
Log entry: 10,29,37
